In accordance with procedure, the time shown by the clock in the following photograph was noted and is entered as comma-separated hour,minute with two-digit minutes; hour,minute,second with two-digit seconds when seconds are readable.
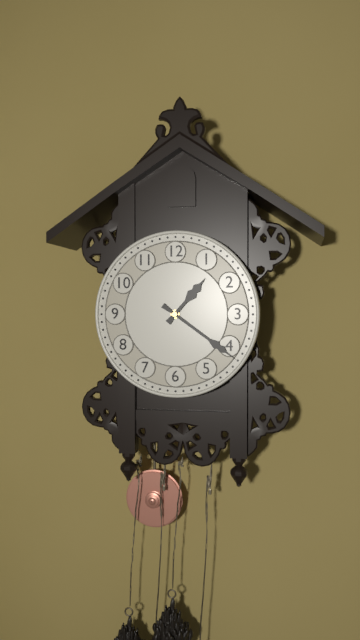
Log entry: 1,21
